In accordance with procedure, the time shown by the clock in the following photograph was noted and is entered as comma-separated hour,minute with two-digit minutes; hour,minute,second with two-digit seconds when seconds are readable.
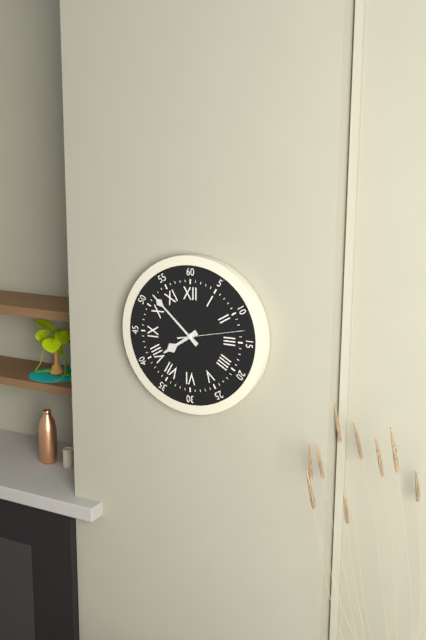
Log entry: 7,52,13
